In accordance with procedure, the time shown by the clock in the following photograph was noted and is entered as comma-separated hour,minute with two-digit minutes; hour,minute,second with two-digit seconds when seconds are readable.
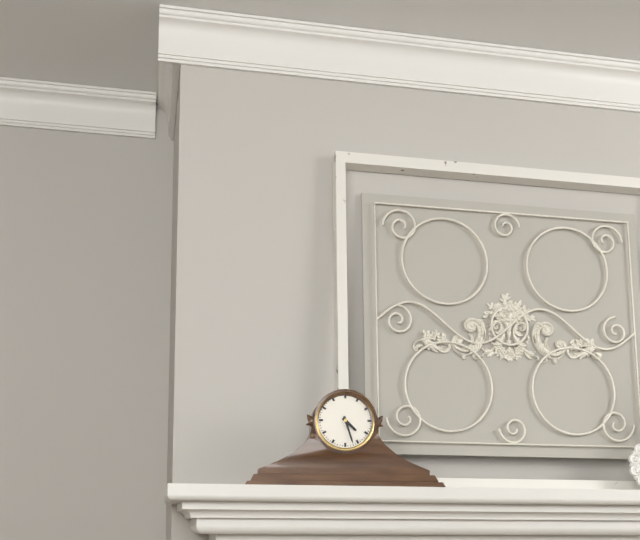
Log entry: 4,27
